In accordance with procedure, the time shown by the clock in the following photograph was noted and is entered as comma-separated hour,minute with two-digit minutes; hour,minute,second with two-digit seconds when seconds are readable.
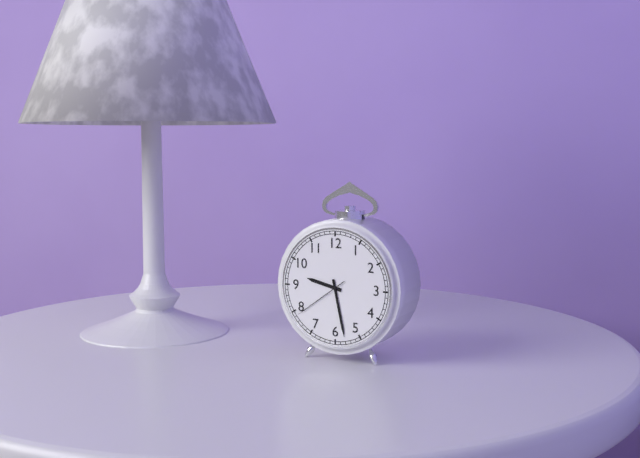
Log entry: 9,28,39
